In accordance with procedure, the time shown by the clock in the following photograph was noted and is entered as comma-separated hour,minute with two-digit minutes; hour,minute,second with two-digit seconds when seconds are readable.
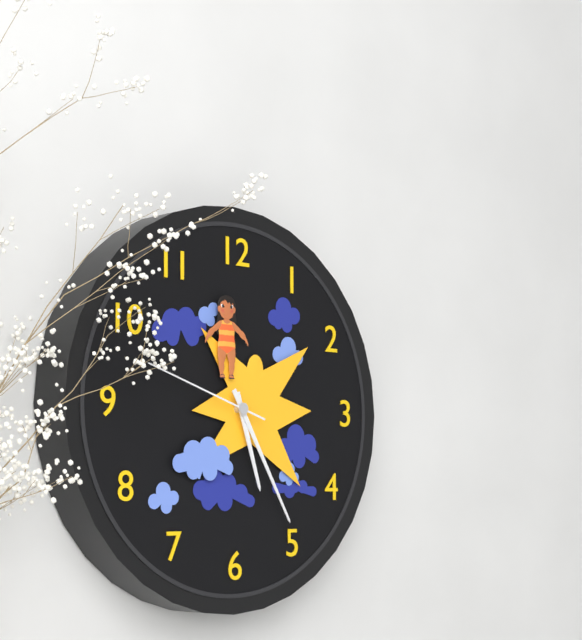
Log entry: 5,25,48
